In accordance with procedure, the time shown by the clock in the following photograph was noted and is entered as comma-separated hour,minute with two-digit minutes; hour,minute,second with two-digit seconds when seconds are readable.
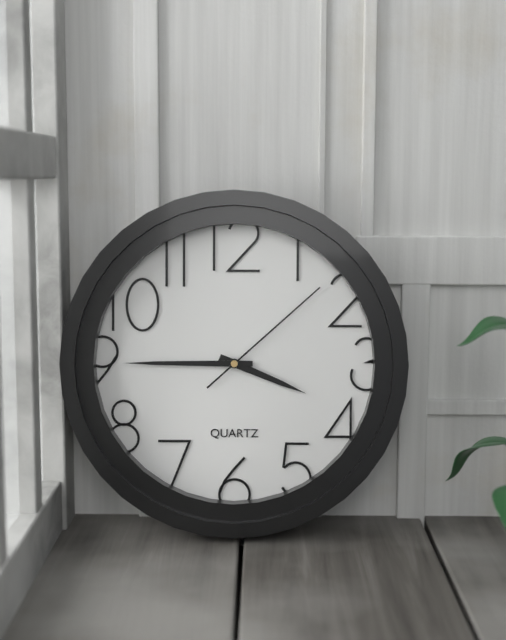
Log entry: 3,45,08
